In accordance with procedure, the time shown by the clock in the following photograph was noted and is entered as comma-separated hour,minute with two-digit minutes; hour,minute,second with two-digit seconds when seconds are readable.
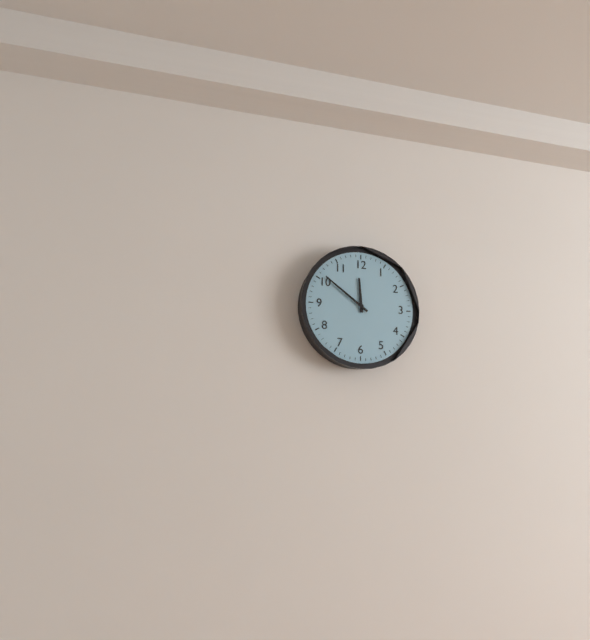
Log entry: 11,51
